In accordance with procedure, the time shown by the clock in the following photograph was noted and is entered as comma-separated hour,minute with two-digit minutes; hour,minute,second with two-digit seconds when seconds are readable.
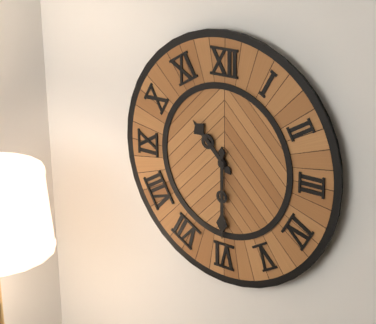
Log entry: 10,30
